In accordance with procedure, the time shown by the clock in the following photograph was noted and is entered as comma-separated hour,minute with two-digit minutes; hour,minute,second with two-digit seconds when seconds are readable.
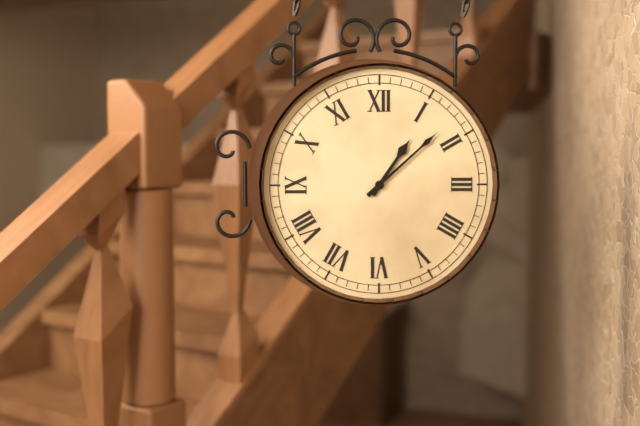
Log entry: 1,08
